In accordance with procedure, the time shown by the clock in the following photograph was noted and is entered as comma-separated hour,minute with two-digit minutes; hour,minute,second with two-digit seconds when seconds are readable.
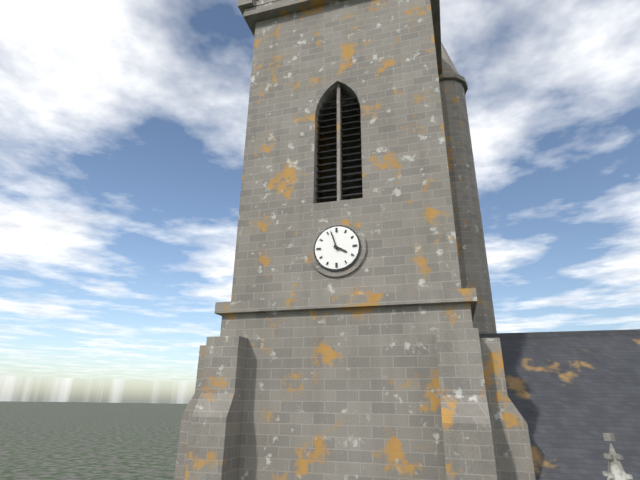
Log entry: 3,57
